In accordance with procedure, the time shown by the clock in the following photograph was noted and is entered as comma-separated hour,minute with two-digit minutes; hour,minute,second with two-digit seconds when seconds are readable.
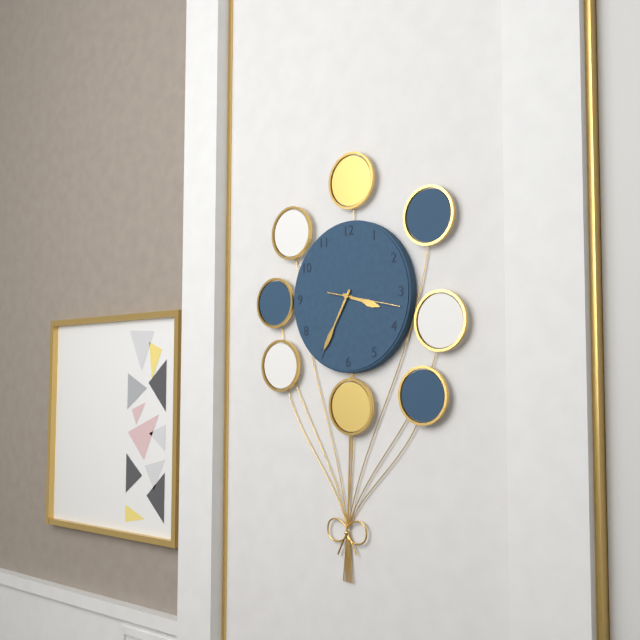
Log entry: 3,35,17
